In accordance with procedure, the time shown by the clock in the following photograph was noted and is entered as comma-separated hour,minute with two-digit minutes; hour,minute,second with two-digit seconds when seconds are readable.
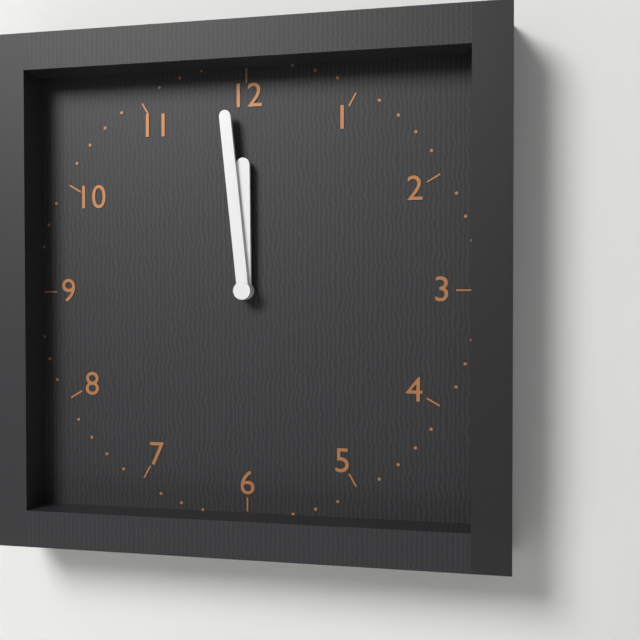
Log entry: 11,59
